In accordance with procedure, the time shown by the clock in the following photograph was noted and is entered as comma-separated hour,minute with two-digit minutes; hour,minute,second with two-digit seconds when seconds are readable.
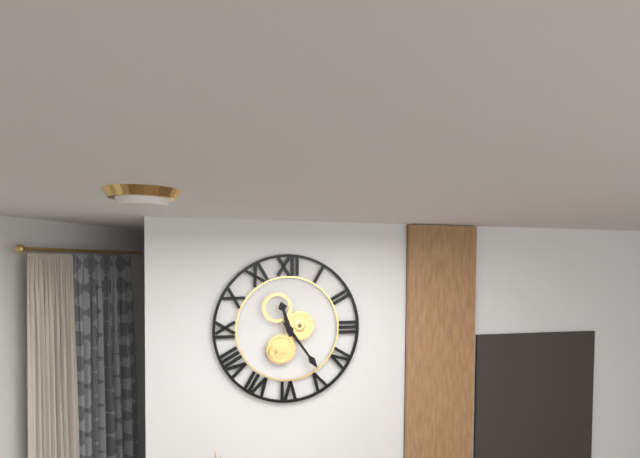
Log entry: 11,24
